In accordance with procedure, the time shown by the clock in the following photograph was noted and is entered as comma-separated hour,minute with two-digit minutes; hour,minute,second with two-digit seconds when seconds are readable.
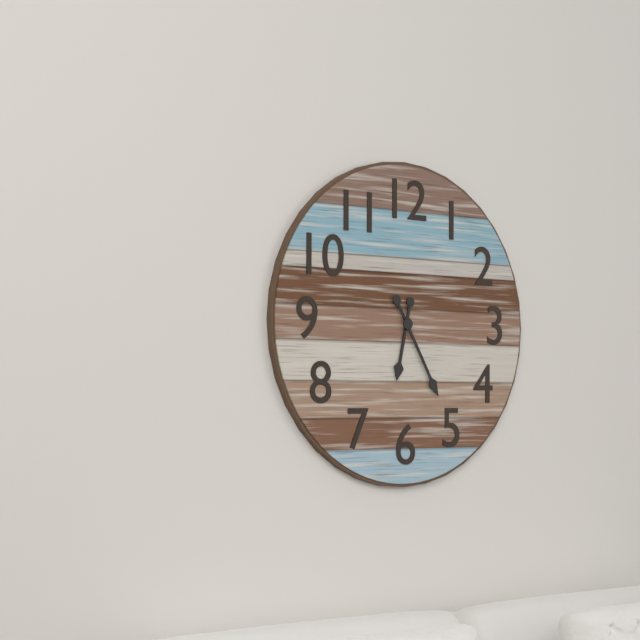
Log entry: 6,25
